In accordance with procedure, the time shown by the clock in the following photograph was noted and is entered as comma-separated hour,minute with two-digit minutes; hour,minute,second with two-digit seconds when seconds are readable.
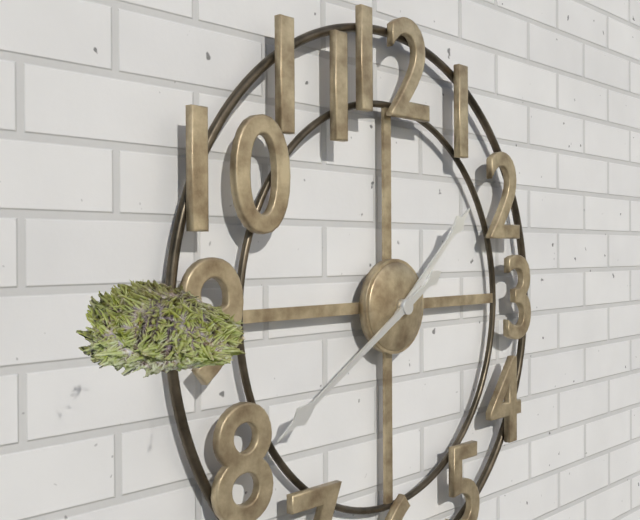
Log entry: 1,40
